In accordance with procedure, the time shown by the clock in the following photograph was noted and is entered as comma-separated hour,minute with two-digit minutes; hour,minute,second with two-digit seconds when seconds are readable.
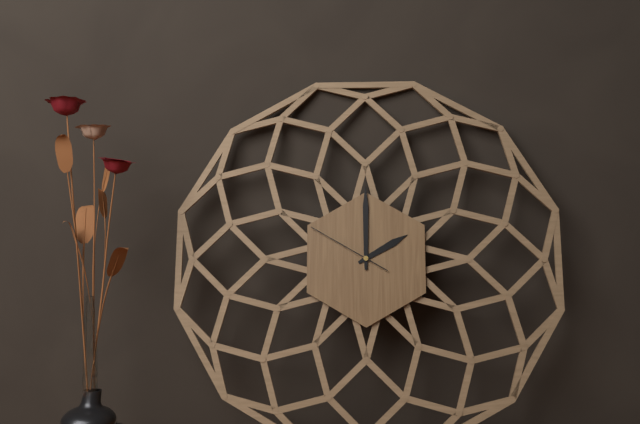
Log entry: 2,00,50
